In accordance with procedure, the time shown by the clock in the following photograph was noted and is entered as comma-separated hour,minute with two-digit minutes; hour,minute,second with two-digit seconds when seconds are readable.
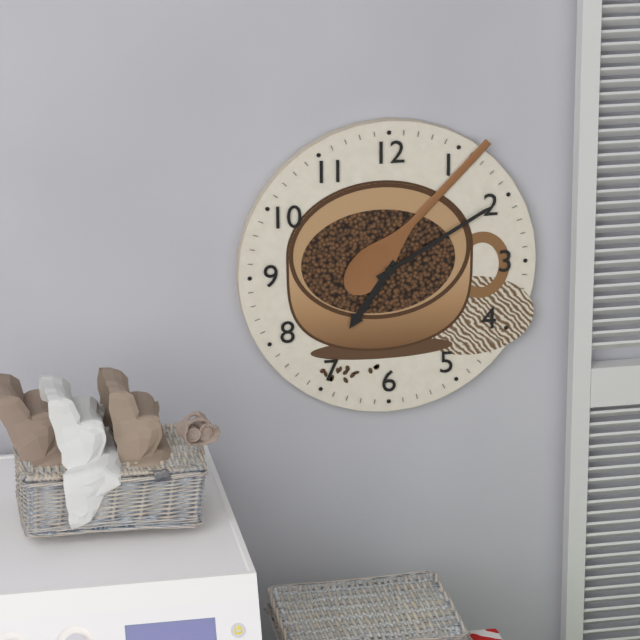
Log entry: 7,10
